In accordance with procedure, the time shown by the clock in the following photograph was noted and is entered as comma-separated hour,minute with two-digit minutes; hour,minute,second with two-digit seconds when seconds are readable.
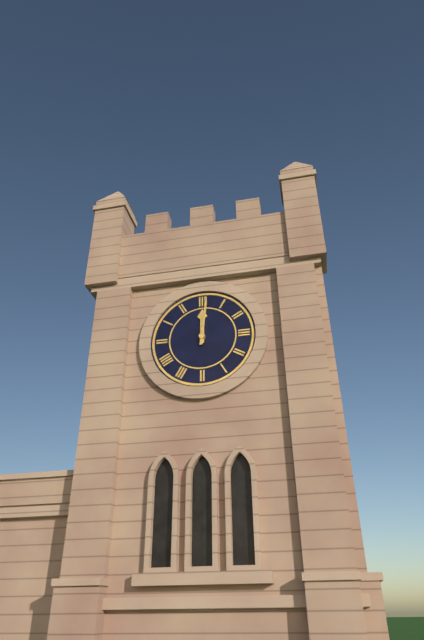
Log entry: 12,01
